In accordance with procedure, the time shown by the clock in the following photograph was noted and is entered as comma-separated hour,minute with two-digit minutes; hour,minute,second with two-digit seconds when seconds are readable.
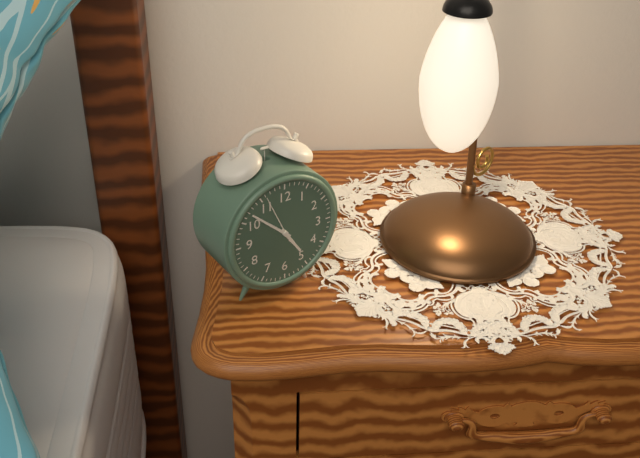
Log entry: 4,52,56
